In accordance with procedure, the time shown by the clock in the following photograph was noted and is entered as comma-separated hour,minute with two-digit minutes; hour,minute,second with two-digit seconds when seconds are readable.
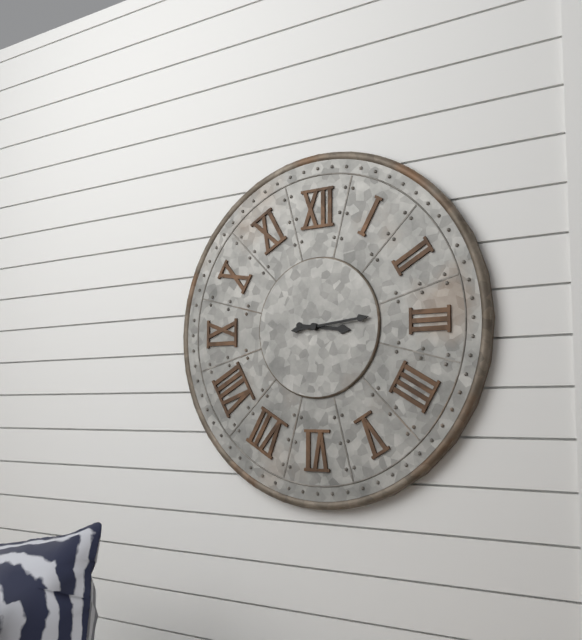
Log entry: 3,14
